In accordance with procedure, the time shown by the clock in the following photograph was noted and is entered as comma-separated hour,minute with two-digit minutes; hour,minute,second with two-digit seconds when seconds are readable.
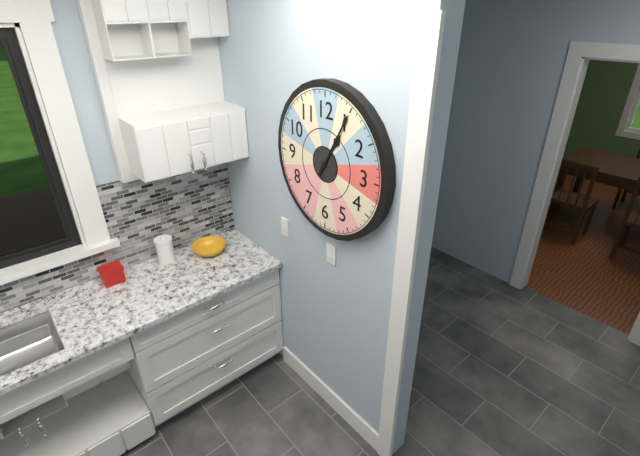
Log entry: 1,05
